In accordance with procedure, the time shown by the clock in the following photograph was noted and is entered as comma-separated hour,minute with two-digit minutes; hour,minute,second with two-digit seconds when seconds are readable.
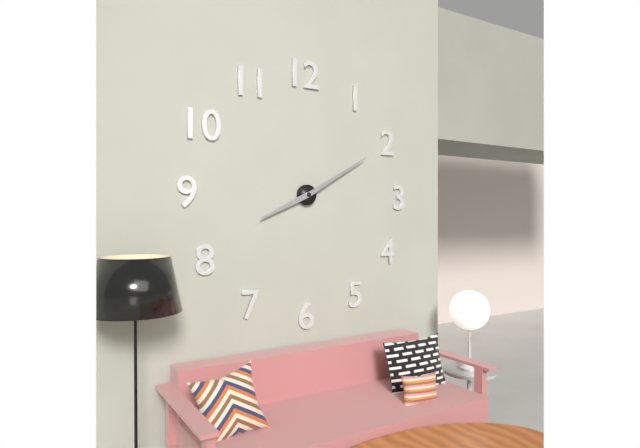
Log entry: 8,10
